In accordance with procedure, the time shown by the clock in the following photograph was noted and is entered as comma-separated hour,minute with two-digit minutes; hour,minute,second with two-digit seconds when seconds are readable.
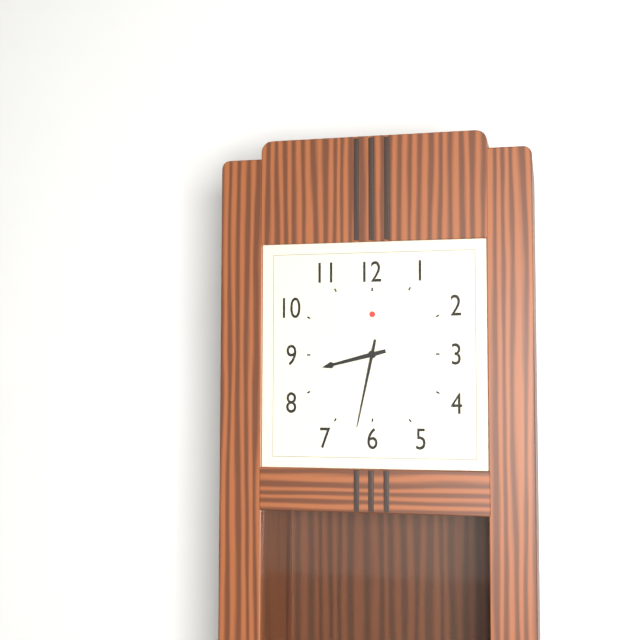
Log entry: 8,32
